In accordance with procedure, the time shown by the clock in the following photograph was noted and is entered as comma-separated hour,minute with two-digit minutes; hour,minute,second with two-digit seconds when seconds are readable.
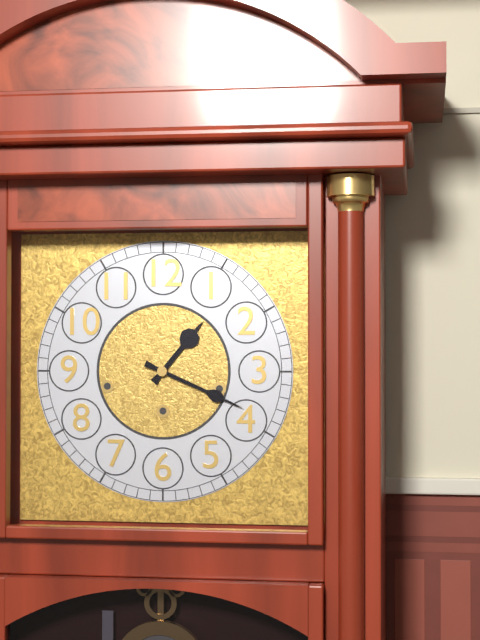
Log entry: 1,19
